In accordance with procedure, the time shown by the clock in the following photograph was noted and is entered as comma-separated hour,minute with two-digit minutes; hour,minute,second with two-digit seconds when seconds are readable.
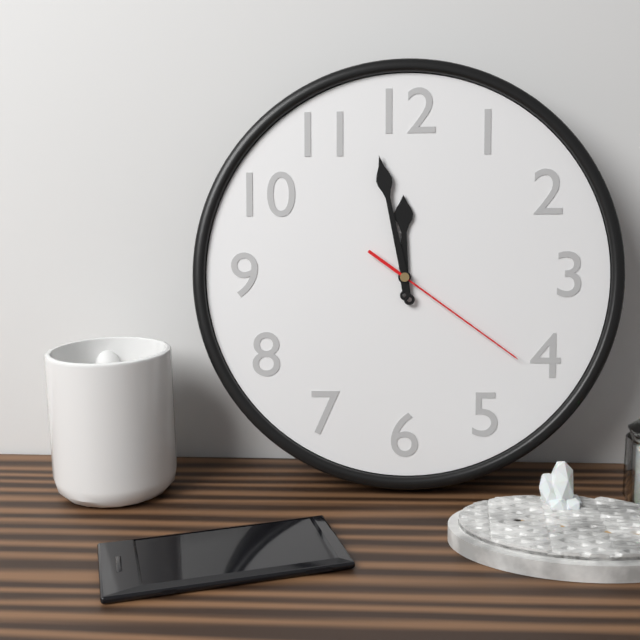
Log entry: 11,58,21
